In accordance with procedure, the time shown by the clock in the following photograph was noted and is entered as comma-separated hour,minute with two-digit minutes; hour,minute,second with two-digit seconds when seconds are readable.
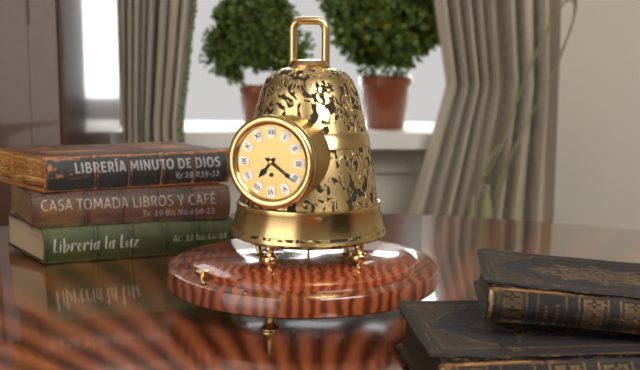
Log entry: 7,21
